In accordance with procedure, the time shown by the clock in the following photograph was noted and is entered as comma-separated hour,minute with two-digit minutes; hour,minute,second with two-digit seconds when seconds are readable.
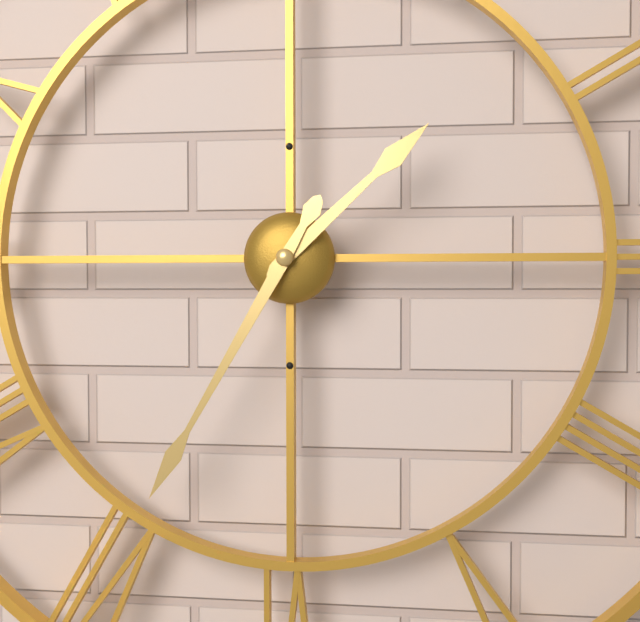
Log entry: 1,35
